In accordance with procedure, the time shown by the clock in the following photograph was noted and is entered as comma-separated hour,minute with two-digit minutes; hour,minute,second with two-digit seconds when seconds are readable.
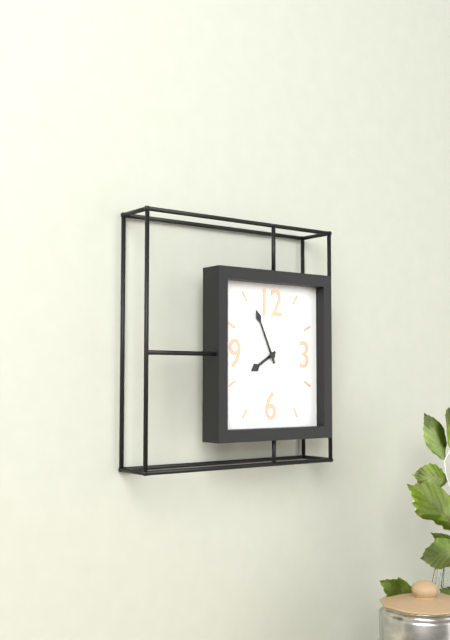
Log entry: 7,56
